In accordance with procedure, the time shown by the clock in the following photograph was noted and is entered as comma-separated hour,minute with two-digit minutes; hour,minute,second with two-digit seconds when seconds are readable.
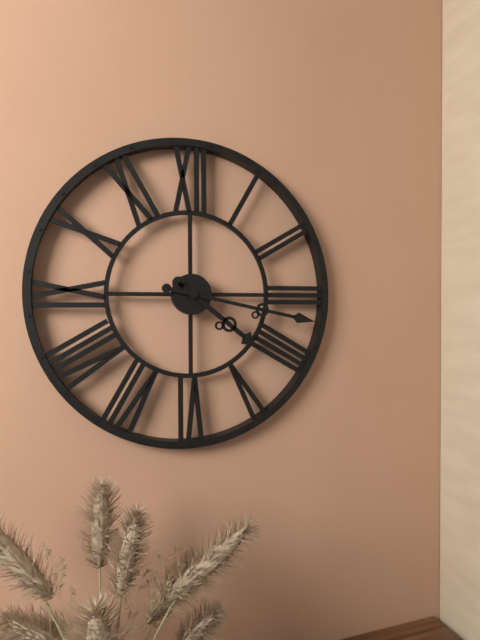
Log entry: 4,17
